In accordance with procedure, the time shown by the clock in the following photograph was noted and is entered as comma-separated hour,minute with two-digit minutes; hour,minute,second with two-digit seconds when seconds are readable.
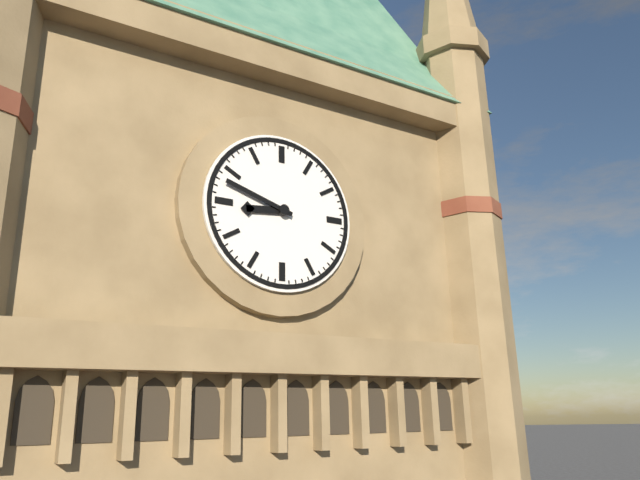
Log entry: 8,48
